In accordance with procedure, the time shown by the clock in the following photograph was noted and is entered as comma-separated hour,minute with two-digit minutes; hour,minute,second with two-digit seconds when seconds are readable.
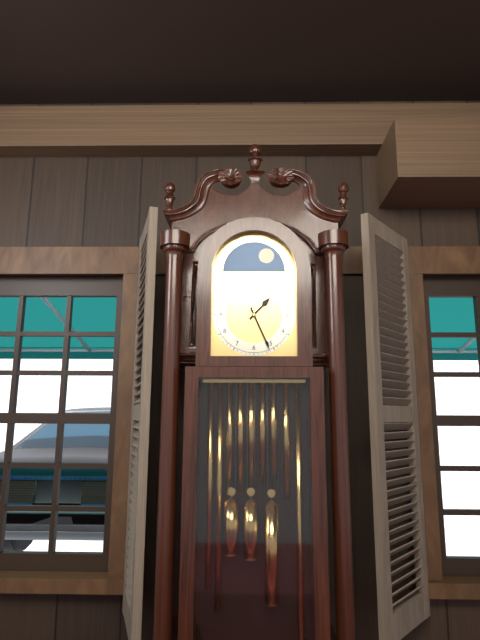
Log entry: 1,26
